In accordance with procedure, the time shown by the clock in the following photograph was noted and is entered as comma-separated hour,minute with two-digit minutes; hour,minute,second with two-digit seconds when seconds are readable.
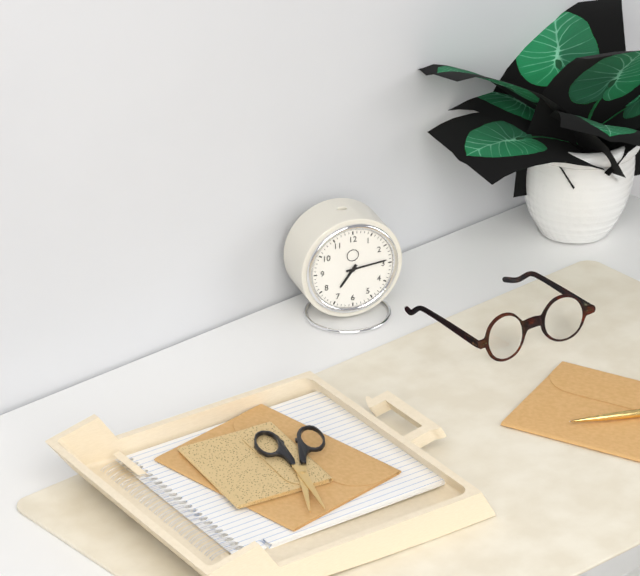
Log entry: 7,14
